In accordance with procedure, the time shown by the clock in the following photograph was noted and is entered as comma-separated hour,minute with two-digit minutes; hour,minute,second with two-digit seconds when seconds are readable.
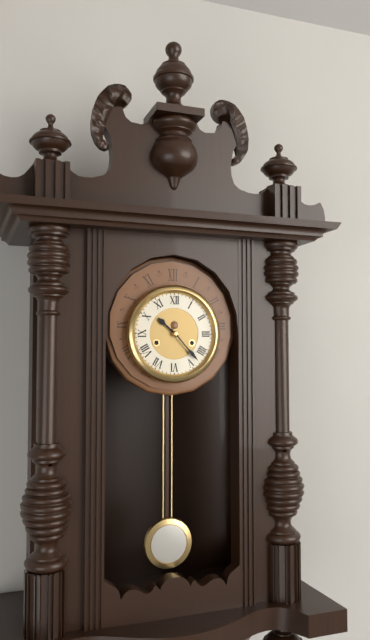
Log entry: 10,23
